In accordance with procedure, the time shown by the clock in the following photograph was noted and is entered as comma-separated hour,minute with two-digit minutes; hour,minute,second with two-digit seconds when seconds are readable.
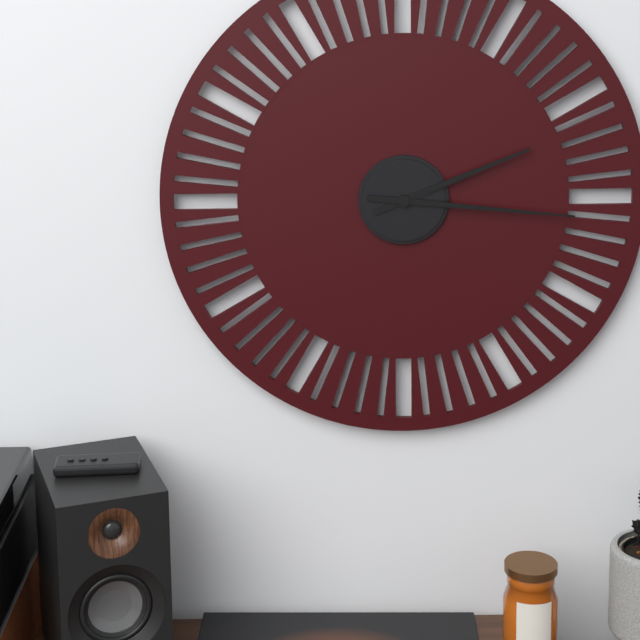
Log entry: 2,16
